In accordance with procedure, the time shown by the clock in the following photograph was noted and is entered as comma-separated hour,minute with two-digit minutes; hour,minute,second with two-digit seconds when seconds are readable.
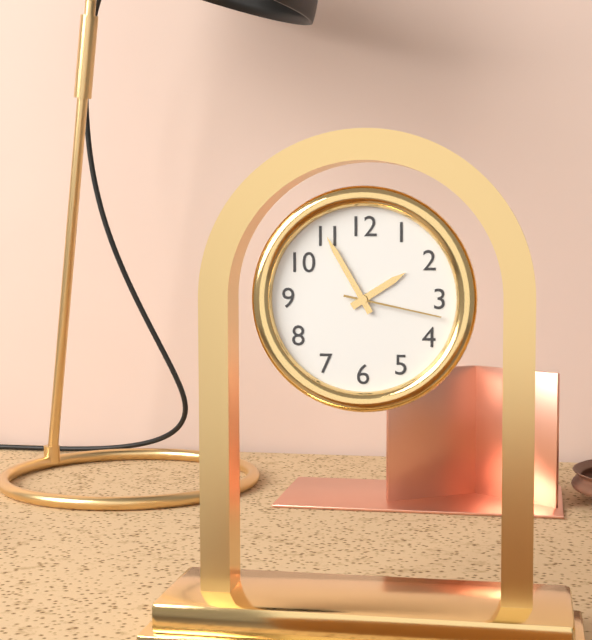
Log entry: 1,55,17
